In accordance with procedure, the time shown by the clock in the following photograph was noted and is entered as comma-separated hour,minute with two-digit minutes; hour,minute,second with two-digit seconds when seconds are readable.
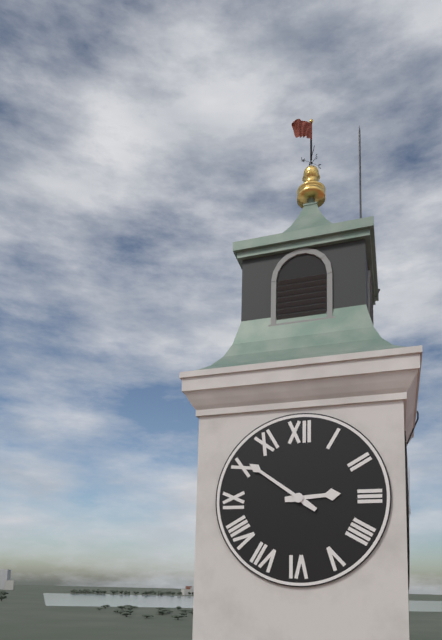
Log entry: 2,51
